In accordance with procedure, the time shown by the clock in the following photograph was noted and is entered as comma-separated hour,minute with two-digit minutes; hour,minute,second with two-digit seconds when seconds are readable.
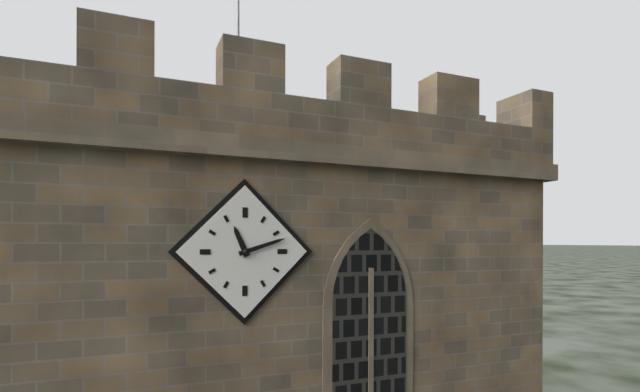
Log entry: 11,12
